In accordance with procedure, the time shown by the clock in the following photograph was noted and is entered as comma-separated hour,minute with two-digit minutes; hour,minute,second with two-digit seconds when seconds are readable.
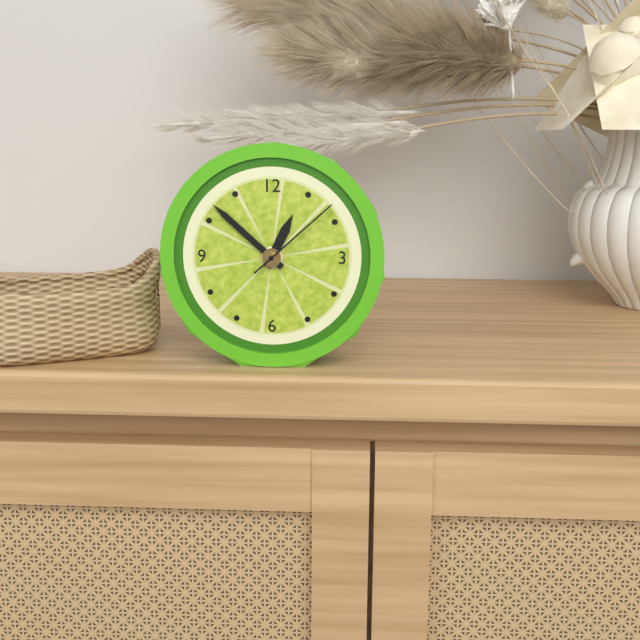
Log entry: 12,52,08
